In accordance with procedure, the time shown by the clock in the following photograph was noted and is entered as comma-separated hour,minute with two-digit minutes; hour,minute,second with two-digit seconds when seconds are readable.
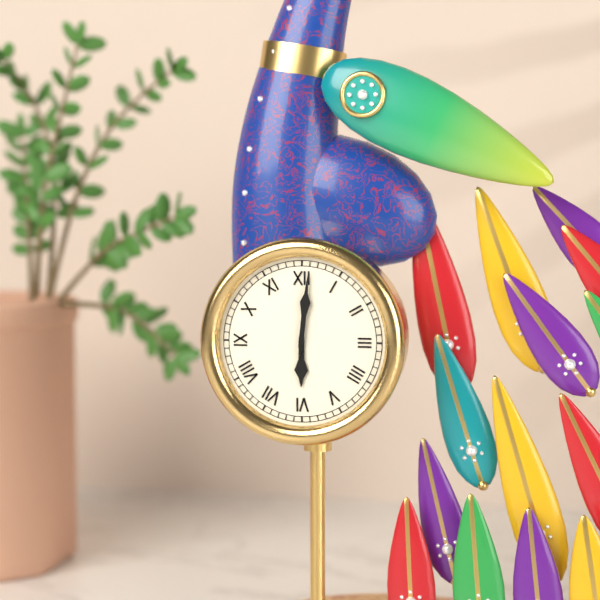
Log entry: 6,01
